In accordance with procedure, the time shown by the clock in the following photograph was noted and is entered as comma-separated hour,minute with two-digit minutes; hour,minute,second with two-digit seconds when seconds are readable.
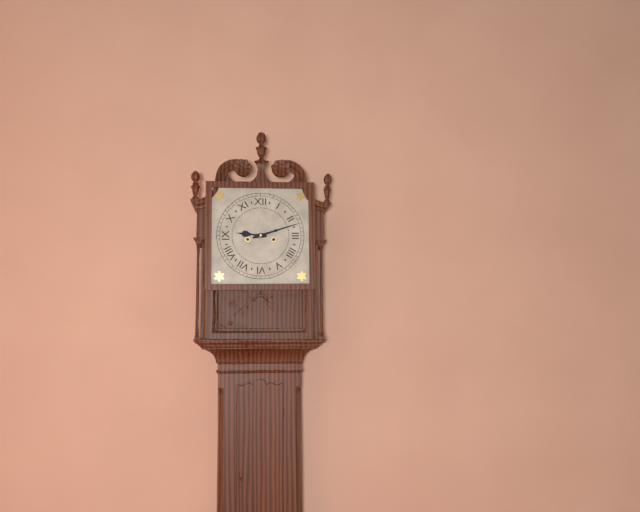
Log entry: 9,12
